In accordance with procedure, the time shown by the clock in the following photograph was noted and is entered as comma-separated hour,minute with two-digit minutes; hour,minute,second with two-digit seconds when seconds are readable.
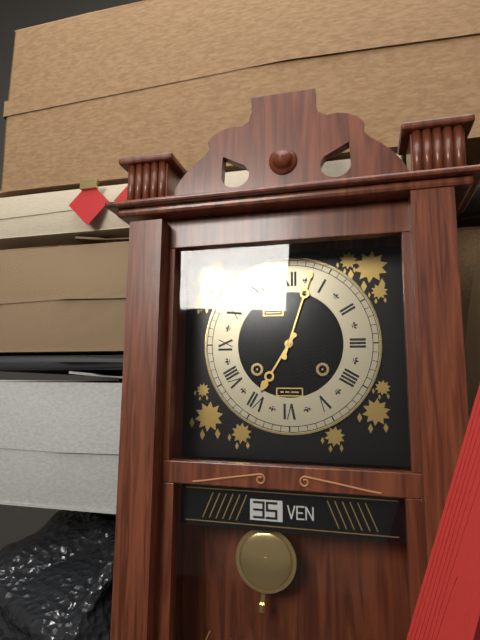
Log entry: 7,03
